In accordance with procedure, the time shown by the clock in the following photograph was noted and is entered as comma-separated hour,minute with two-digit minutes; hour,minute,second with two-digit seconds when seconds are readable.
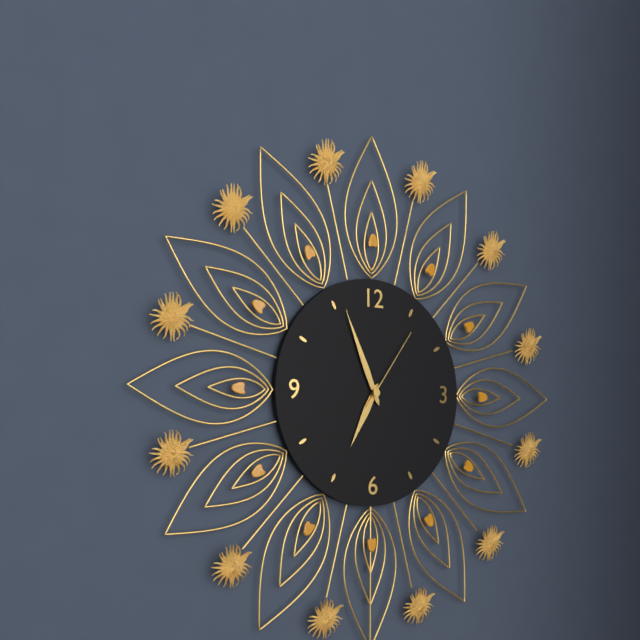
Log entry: 6,56,06
